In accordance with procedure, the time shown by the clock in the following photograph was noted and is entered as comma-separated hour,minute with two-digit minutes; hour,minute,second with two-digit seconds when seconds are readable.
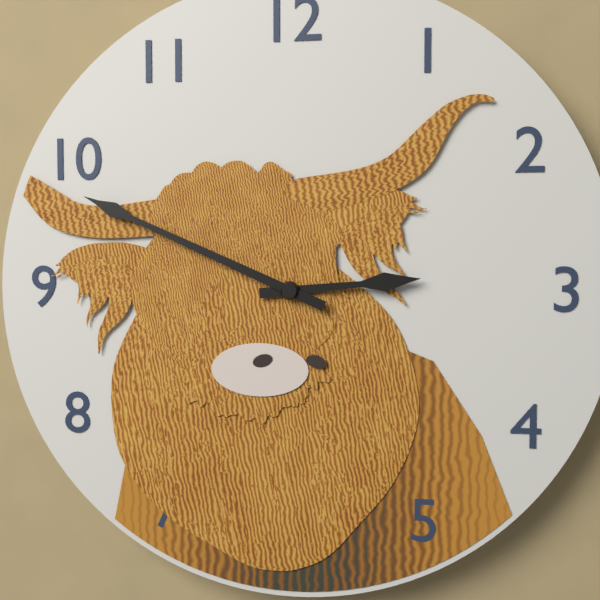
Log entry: 2,49
